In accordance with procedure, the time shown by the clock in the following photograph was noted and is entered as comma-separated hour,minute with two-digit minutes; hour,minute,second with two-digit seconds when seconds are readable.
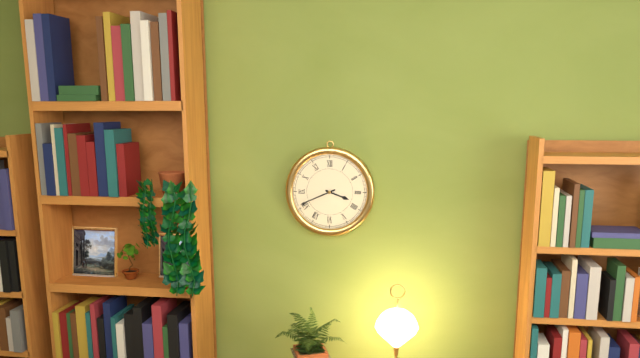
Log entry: 3,41
